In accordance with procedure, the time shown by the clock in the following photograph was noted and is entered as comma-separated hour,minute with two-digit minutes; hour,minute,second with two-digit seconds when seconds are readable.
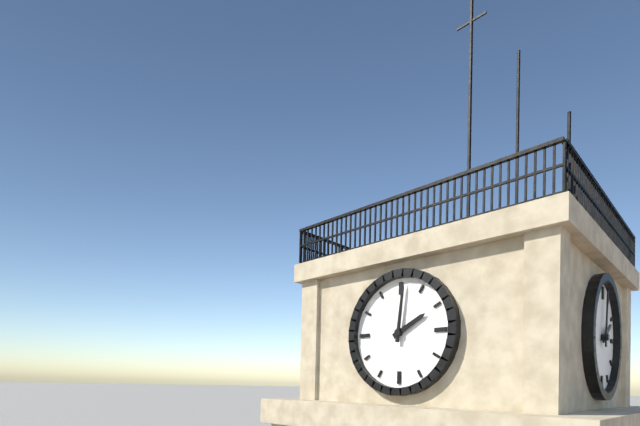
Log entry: 2,01
